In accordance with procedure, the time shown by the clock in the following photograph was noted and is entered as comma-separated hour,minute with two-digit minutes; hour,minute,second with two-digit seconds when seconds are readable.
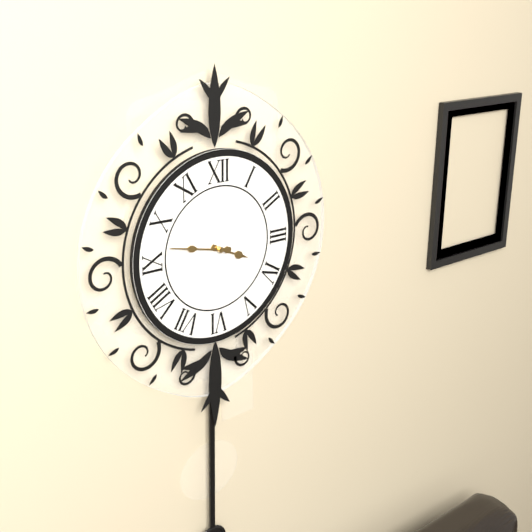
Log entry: 3,47
